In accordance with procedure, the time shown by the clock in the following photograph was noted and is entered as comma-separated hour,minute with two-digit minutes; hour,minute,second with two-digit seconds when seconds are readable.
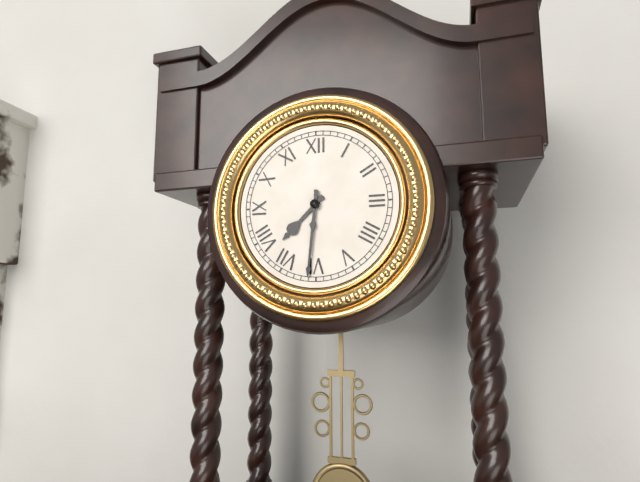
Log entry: 7,31
